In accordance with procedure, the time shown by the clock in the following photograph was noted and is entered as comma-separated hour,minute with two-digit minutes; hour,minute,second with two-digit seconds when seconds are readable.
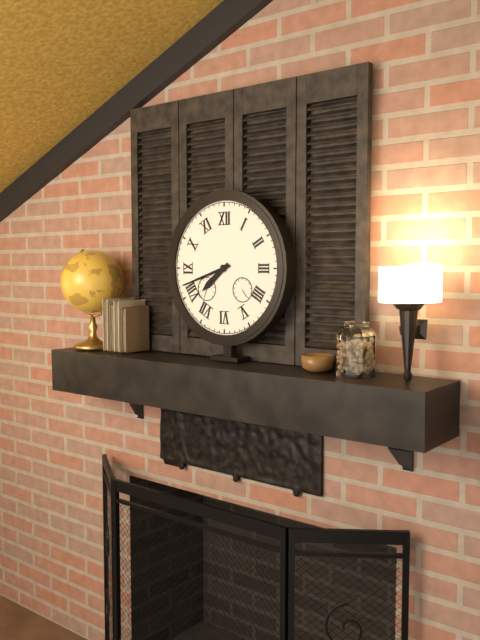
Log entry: 7,42
